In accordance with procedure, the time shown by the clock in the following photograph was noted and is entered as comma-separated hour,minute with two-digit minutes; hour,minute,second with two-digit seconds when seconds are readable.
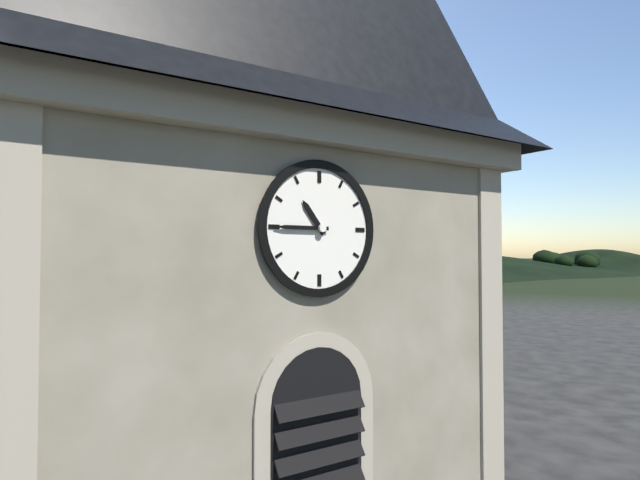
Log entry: 10,45
